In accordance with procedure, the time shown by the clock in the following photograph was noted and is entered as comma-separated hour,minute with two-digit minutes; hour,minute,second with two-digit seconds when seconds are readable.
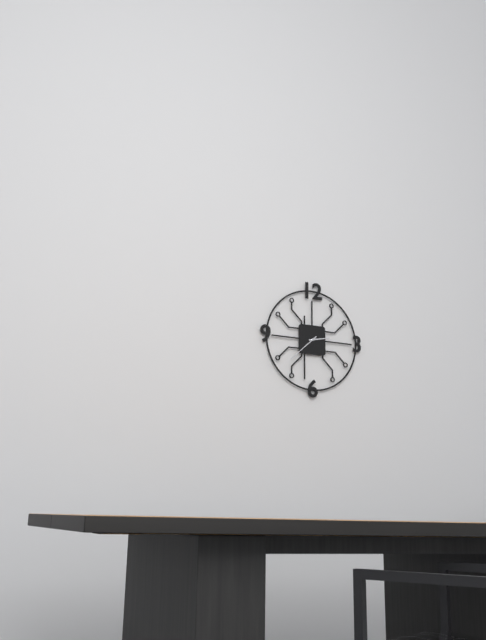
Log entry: 2,38
